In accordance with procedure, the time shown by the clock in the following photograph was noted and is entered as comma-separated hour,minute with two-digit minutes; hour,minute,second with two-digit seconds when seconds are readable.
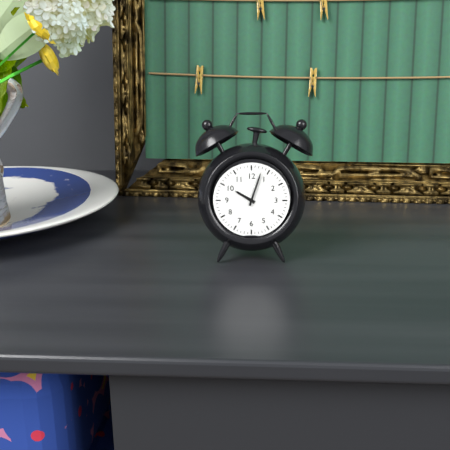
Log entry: 10,03
